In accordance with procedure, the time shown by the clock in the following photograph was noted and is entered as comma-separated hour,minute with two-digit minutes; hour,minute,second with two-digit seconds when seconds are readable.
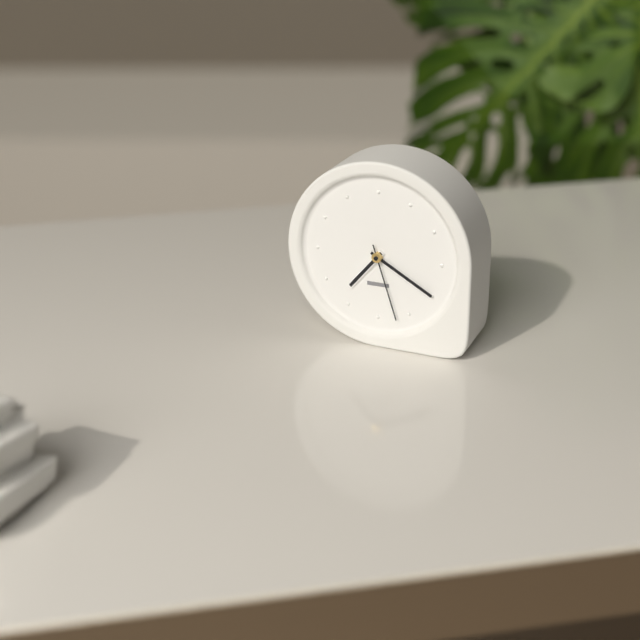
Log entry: 7,20,27
